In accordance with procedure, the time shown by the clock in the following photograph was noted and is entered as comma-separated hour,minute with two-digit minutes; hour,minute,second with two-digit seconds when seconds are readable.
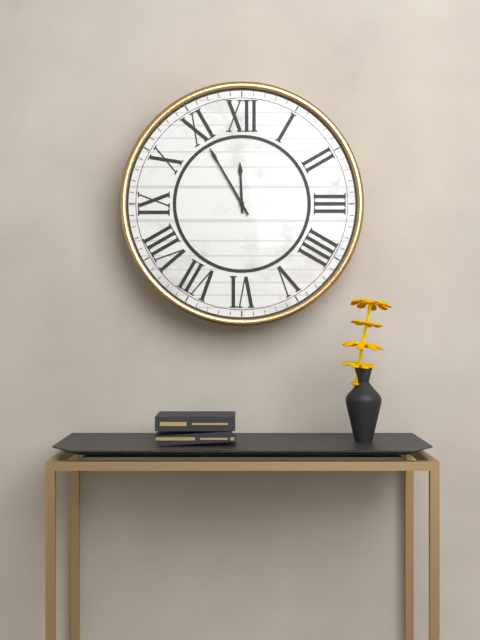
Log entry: 11,55
